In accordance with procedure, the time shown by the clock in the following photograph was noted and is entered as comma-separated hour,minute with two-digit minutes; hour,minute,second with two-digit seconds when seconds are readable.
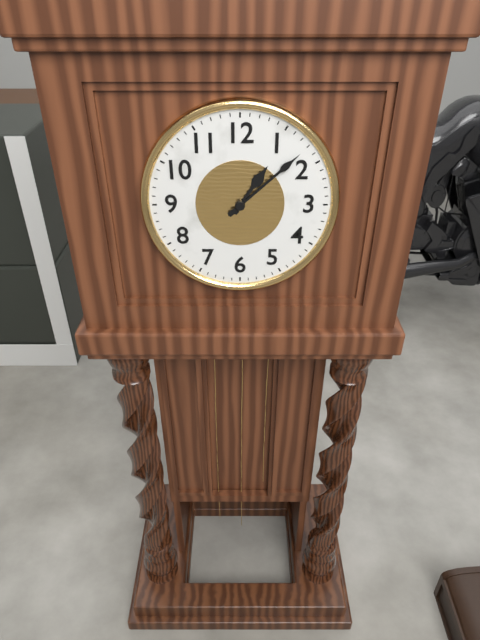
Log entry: 1,08
